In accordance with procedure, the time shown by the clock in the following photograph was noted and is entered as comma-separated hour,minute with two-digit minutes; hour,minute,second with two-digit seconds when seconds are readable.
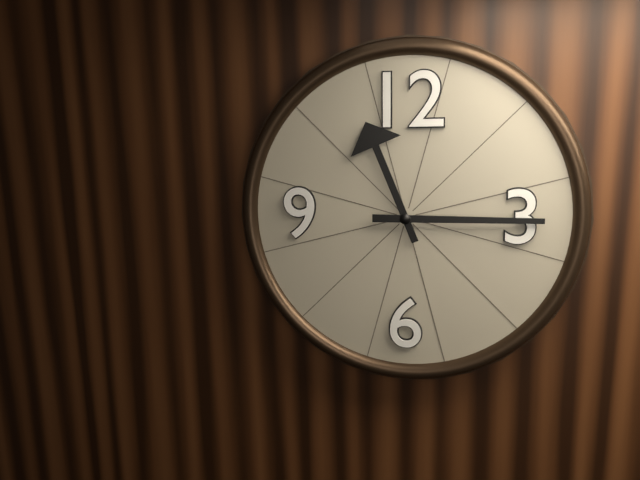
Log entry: 11,15
